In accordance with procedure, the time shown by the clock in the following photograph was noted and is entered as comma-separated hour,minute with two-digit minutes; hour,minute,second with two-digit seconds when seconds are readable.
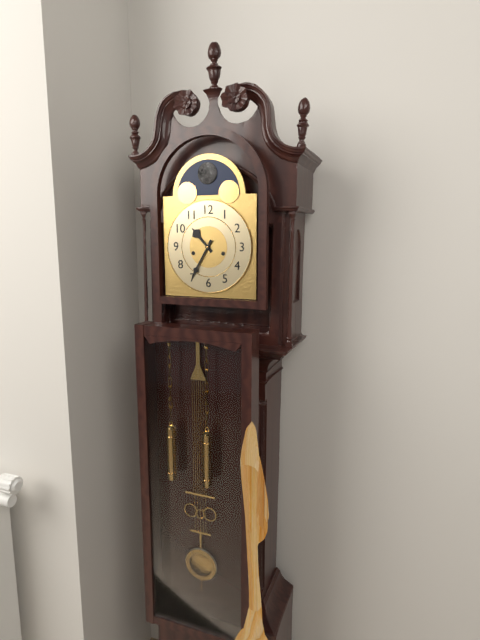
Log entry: 10,35
